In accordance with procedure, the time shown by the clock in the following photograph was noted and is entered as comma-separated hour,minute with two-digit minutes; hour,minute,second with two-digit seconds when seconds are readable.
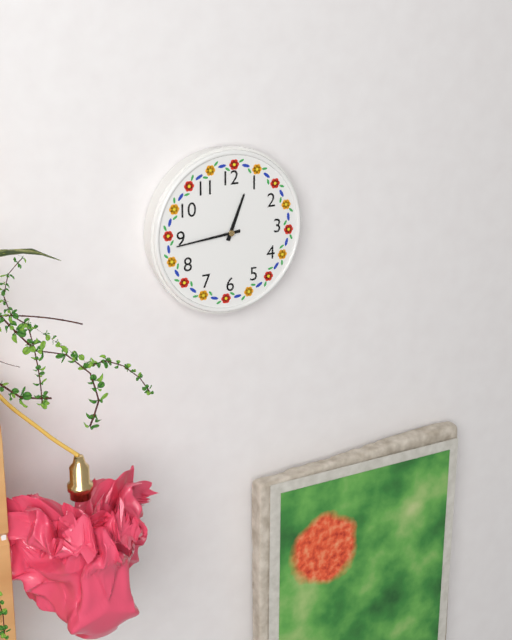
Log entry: 12,44
